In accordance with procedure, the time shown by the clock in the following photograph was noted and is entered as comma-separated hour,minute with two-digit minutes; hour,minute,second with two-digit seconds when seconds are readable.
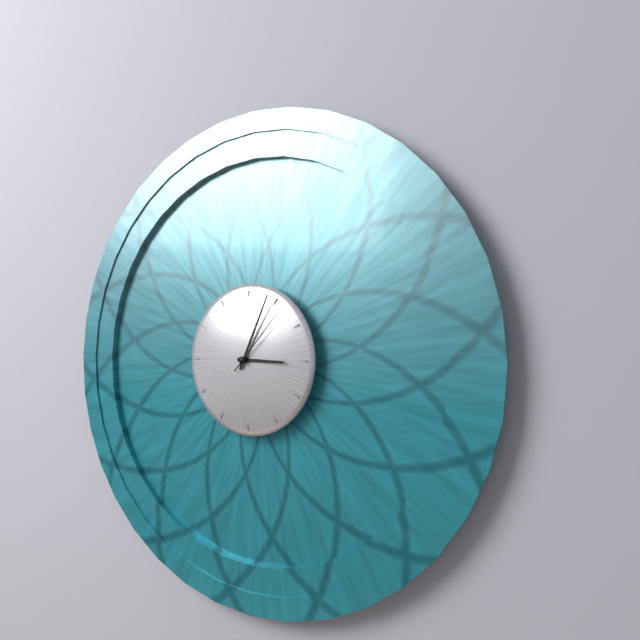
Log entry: 3,04,07
